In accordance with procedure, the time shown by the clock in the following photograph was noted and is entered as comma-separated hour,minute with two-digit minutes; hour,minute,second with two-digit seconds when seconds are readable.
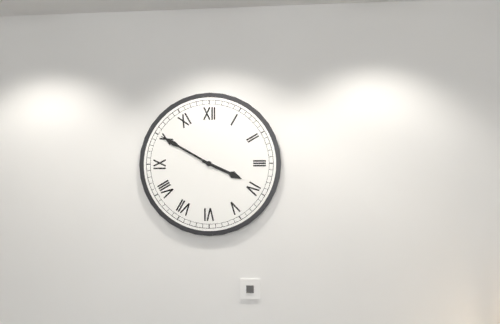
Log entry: 3,50
